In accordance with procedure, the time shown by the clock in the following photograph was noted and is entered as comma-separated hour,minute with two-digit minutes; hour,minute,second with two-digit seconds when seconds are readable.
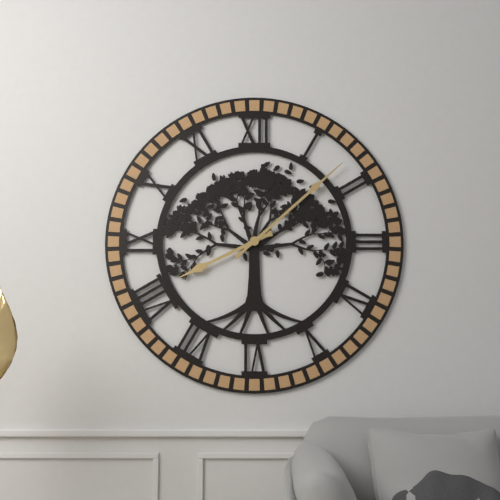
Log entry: 8,08
